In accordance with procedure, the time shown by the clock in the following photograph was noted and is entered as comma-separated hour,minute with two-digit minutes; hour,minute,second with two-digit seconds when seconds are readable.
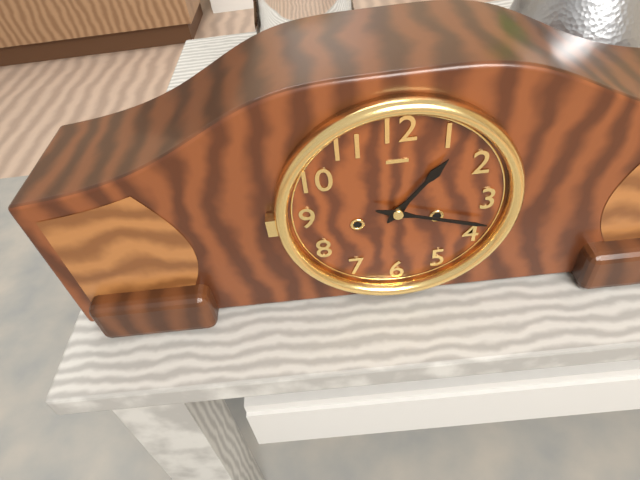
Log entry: 1,18
